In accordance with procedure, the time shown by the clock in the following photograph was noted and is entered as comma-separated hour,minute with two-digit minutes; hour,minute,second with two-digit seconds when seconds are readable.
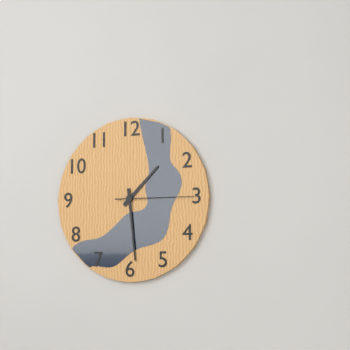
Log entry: 1,29,15
